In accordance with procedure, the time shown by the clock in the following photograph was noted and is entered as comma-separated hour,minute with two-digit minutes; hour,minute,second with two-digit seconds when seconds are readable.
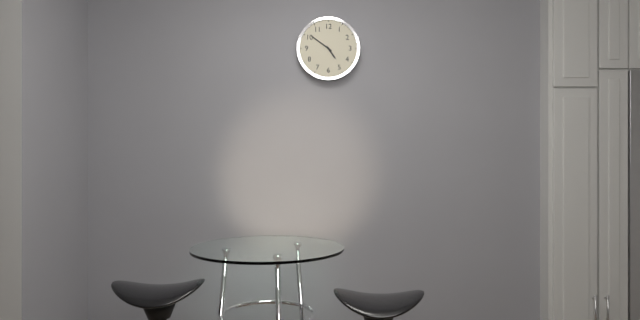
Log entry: 4,51
